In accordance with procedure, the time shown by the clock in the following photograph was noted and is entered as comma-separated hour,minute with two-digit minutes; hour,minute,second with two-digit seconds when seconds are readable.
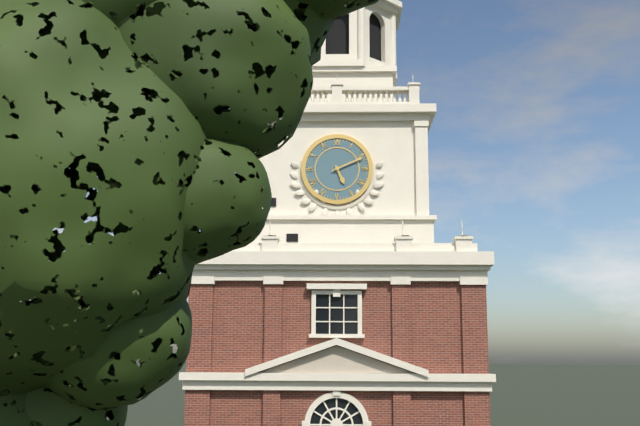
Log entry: 5,11
